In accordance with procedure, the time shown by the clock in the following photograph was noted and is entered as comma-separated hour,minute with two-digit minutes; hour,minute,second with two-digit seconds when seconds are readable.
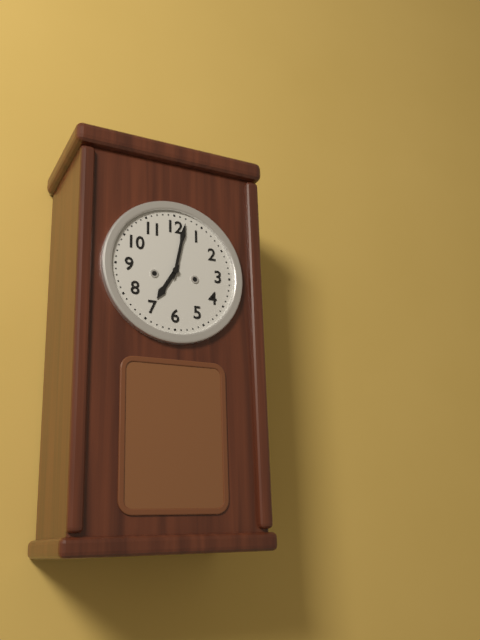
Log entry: 7,02
